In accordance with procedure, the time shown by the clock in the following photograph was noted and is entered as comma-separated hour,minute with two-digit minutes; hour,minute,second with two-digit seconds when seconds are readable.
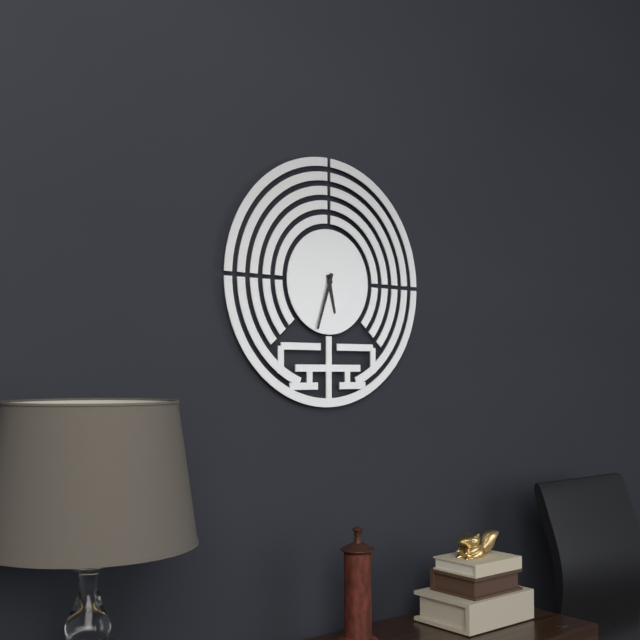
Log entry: 5,33
